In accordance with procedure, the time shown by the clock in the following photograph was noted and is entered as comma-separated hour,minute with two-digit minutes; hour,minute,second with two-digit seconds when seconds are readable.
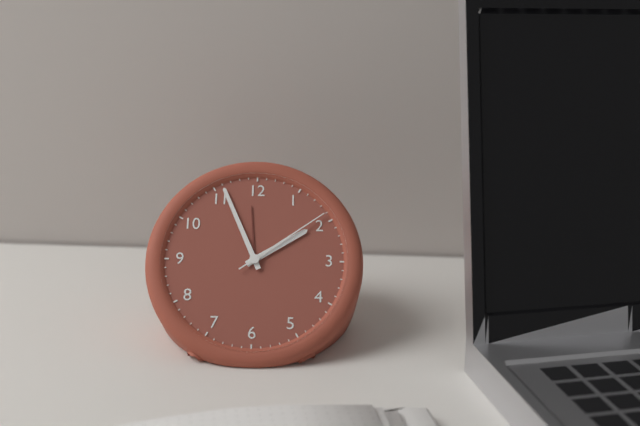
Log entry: 1,56,09
